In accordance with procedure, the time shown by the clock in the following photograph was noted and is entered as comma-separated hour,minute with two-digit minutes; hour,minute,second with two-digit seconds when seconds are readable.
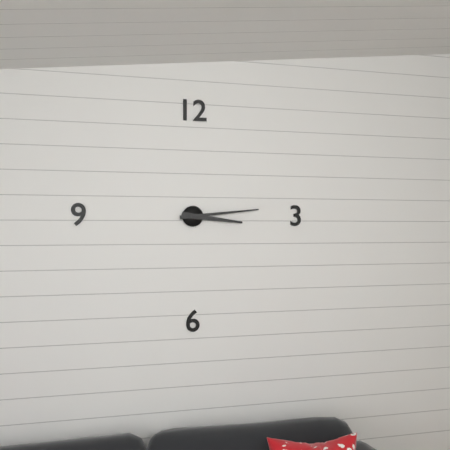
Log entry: 3,14
